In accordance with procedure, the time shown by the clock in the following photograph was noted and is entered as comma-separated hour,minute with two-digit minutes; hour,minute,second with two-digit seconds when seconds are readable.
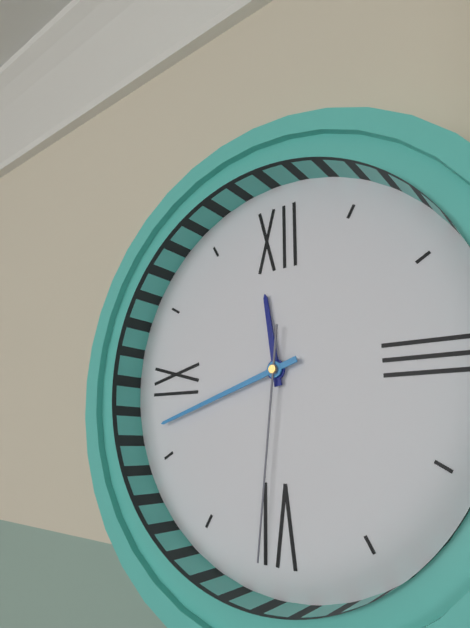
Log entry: 11,42,31
